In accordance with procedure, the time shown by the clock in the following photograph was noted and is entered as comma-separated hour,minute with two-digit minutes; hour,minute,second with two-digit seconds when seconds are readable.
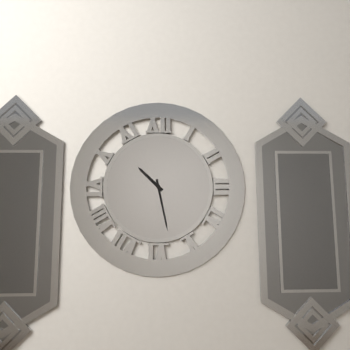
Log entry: 10,28
